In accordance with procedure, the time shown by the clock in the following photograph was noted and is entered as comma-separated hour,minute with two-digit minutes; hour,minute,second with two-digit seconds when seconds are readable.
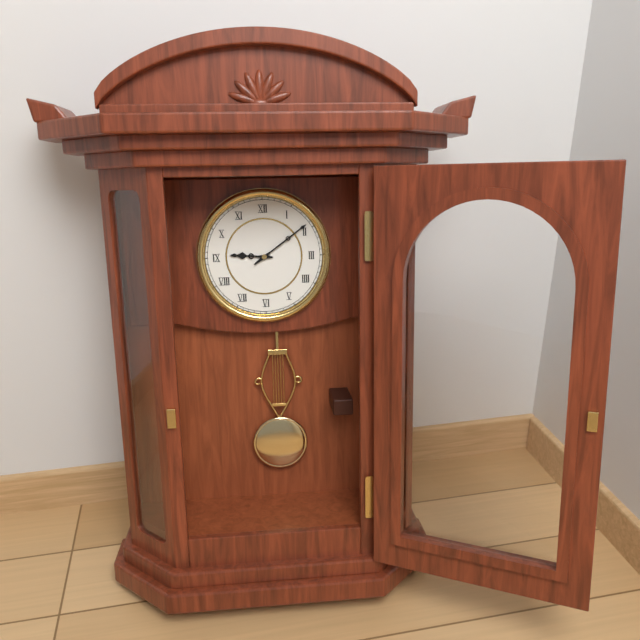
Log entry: 9,09
